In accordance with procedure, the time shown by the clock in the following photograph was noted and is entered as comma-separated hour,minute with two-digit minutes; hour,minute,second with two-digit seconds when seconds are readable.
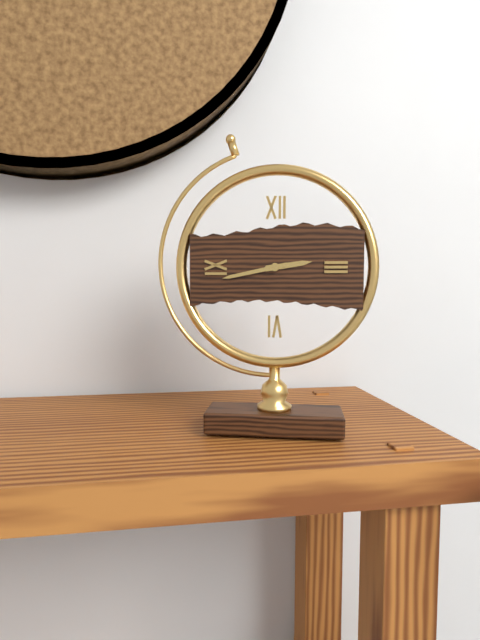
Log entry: 2,43
